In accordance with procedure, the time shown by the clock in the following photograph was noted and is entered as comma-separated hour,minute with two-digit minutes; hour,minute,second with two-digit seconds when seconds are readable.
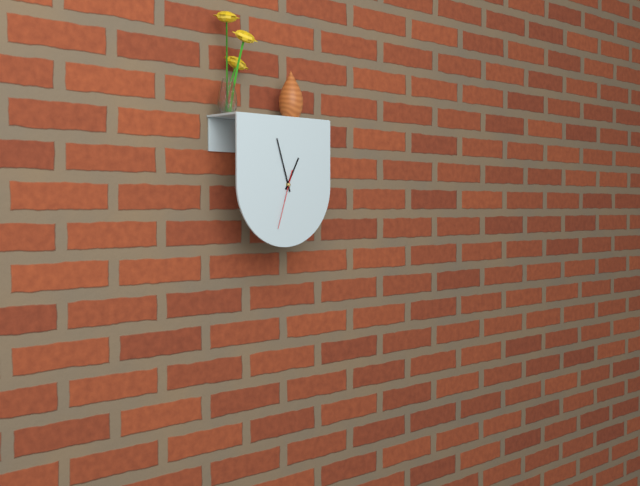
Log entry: 12,57,33
